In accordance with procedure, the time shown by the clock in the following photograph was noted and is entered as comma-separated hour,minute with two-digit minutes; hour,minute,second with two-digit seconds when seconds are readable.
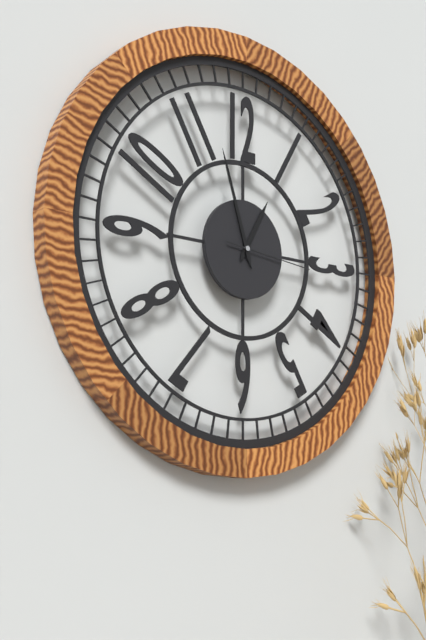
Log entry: 12,57,16
